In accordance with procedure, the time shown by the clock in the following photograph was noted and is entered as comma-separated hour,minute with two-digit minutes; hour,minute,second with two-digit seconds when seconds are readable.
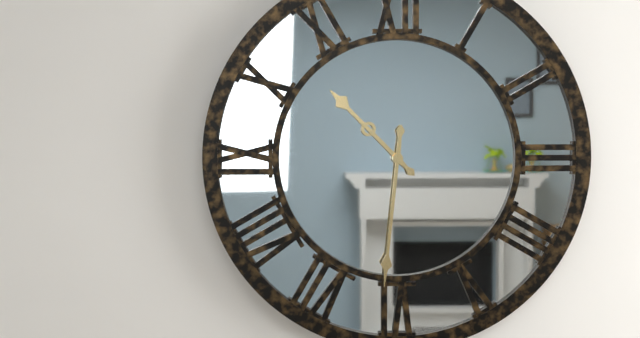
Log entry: 10,31
